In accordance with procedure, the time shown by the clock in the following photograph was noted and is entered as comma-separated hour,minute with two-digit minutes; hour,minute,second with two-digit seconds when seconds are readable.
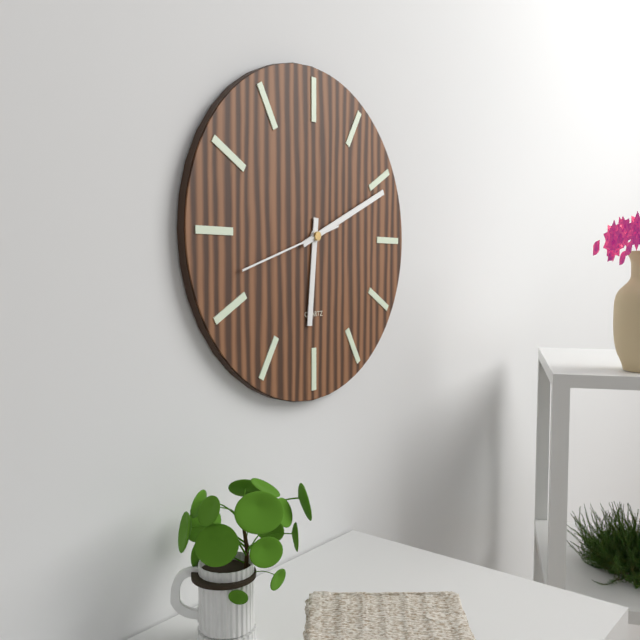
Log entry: 6,11,42
